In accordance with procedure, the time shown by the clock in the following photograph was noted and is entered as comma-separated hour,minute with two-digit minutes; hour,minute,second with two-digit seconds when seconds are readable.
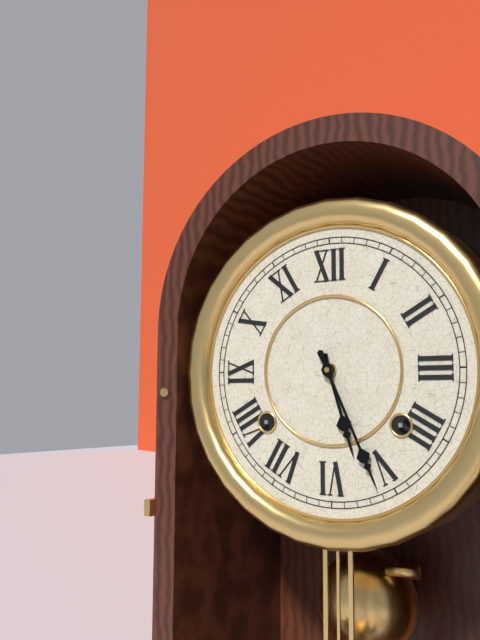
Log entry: 5,26
